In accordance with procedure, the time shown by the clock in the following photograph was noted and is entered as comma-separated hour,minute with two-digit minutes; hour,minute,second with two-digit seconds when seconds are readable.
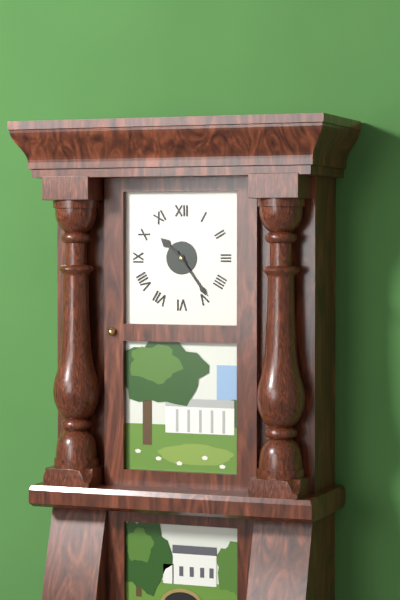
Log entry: 10,24
